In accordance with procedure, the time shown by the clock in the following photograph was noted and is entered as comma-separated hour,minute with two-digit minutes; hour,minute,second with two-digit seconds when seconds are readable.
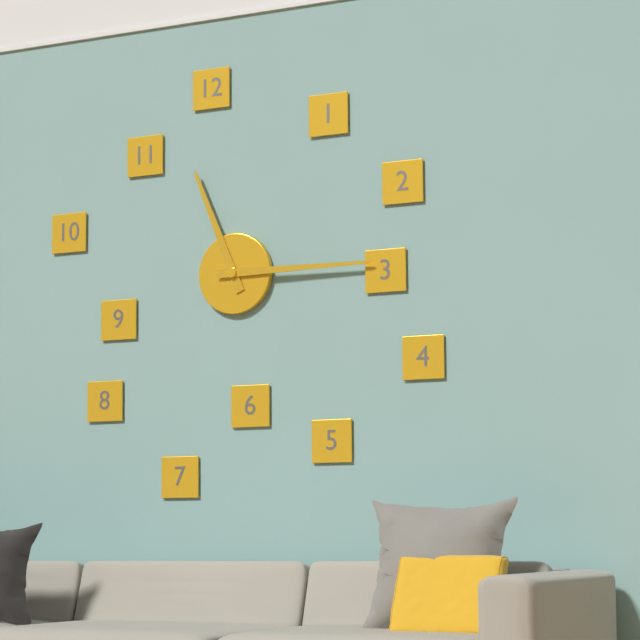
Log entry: 11,15
